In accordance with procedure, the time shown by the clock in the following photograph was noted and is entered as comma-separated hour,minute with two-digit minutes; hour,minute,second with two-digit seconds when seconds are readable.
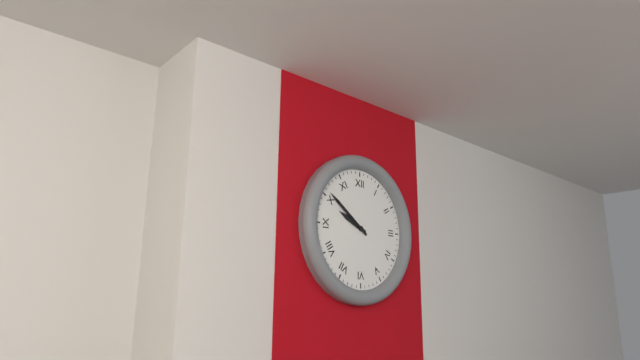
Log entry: 9,51
